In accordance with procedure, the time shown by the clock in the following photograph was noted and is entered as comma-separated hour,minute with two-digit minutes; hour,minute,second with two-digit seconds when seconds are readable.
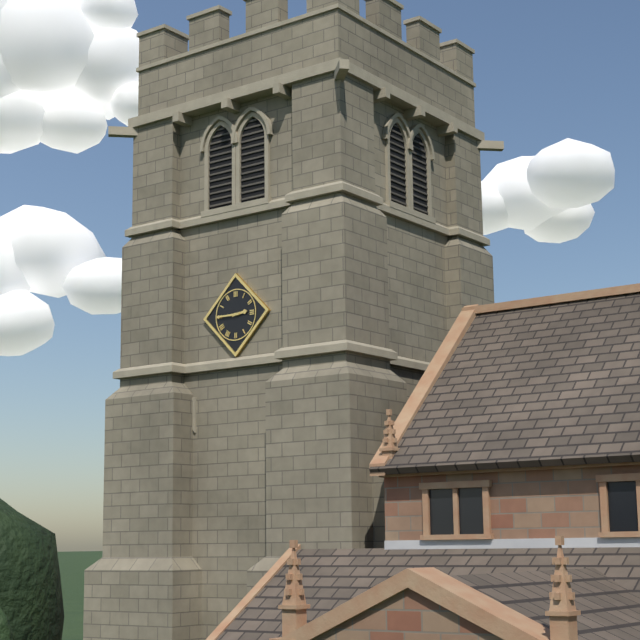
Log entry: 2,45
